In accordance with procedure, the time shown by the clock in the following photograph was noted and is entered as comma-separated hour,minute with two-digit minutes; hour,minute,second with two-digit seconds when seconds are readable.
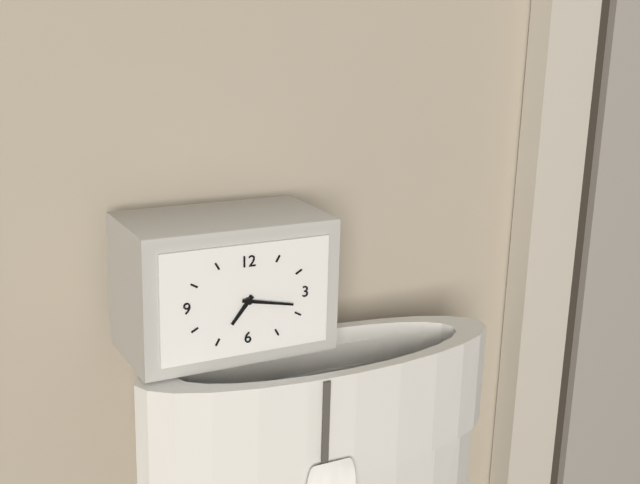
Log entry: 7,17
